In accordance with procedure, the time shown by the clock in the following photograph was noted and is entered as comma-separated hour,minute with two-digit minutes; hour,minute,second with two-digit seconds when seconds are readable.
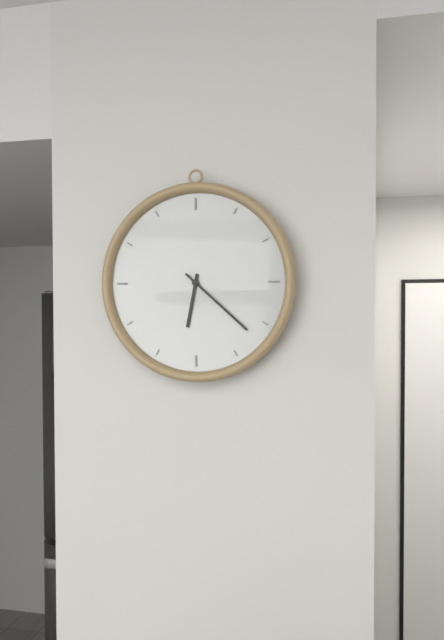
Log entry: 6,22
